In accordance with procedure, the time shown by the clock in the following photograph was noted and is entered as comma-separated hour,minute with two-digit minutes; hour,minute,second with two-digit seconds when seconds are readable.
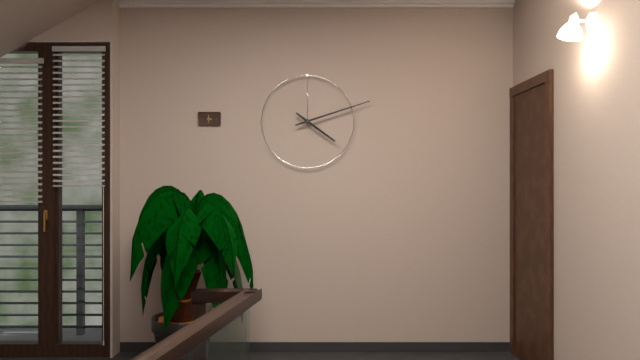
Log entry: 4,12
